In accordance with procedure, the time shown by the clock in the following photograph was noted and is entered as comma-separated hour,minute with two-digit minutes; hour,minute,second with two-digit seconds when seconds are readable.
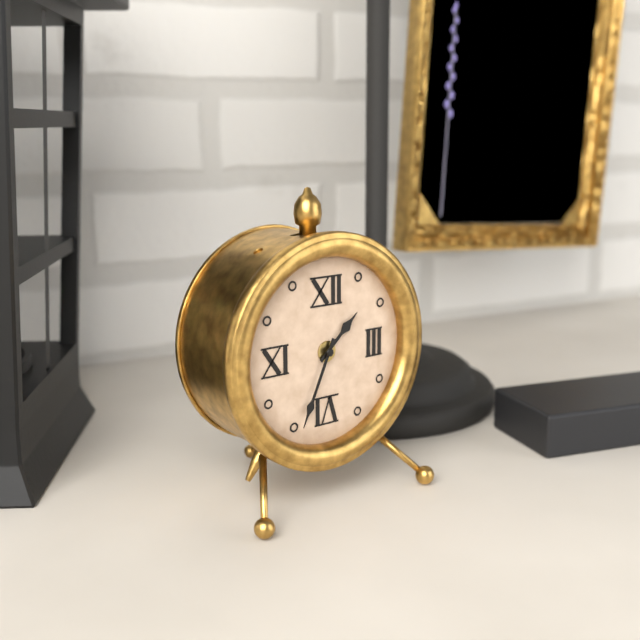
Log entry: 1,34
